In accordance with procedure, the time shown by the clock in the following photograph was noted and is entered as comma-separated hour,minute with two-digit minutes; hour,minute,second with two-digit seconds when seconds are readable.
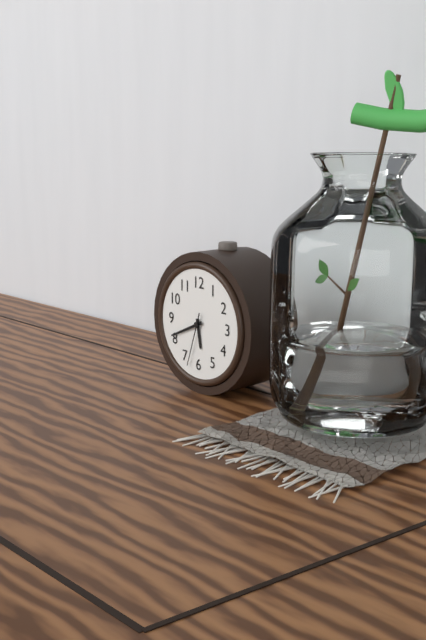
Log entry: 5,41,33
